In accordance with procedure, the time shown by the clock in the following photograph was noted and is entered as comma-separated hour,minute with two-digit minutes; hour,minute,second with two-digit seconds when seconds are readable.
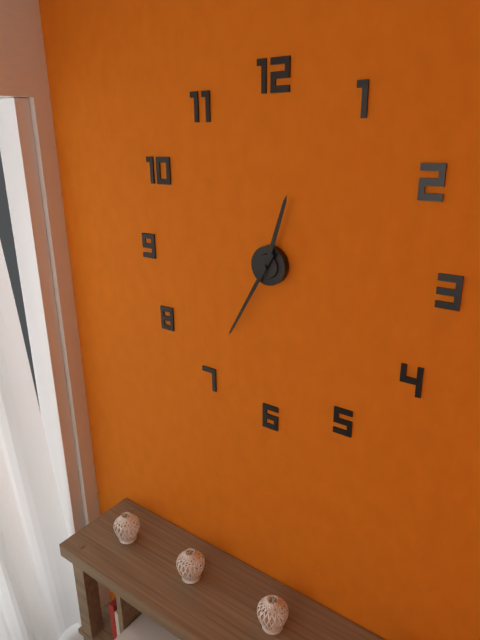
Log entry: 12,35
